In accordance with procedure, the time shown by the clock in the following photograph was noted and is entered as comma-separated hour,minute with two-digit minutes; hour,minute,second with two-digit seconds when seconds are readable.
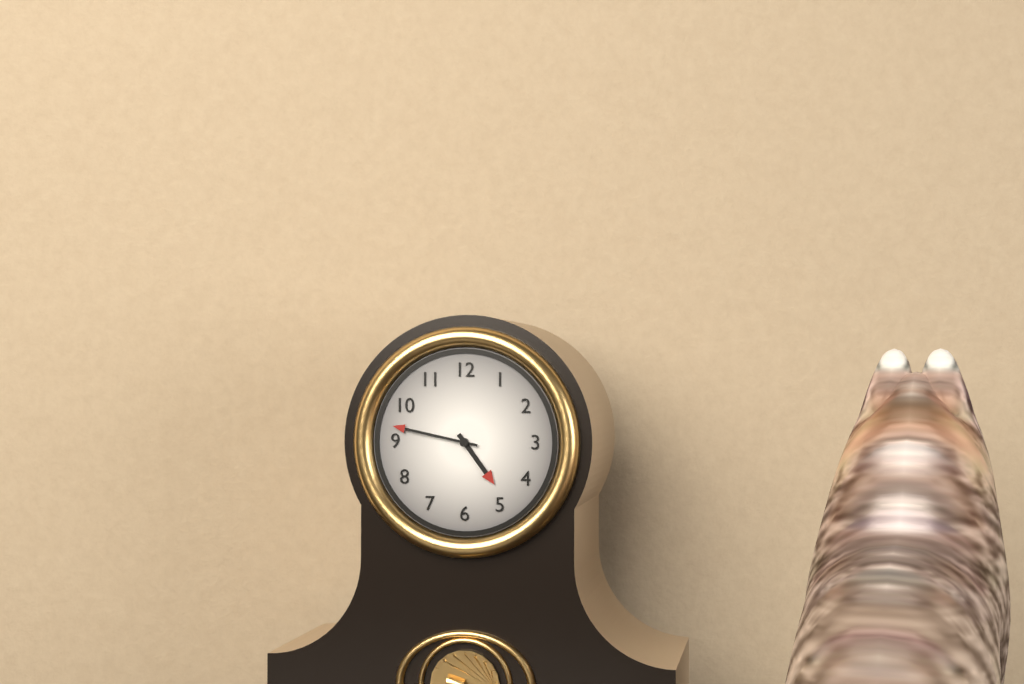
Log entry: 4,47
